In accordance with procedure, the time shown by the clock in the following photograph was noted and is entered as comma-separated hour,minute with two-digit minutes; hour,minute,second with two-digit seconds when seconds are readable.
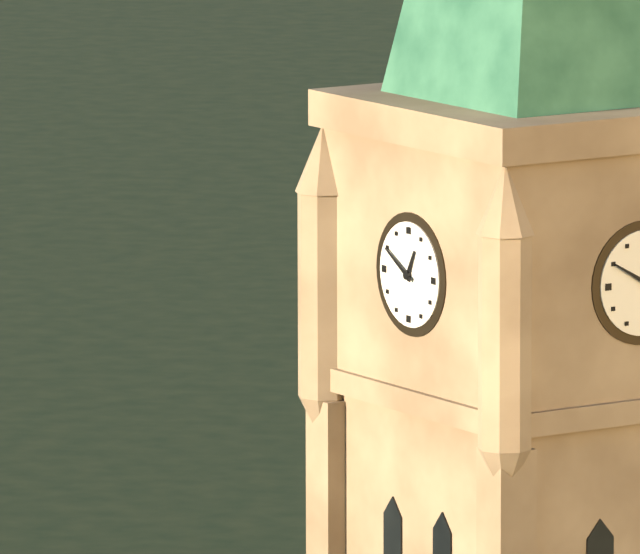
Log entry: 12,50
